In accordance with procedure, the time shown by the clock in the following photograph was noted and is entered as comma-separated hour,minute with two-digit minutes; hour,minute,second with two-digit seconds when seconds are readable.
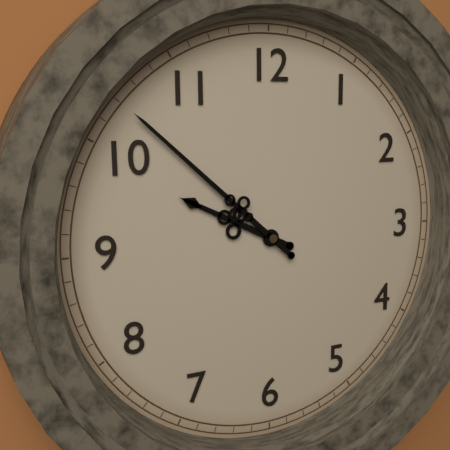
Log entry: 9,52
